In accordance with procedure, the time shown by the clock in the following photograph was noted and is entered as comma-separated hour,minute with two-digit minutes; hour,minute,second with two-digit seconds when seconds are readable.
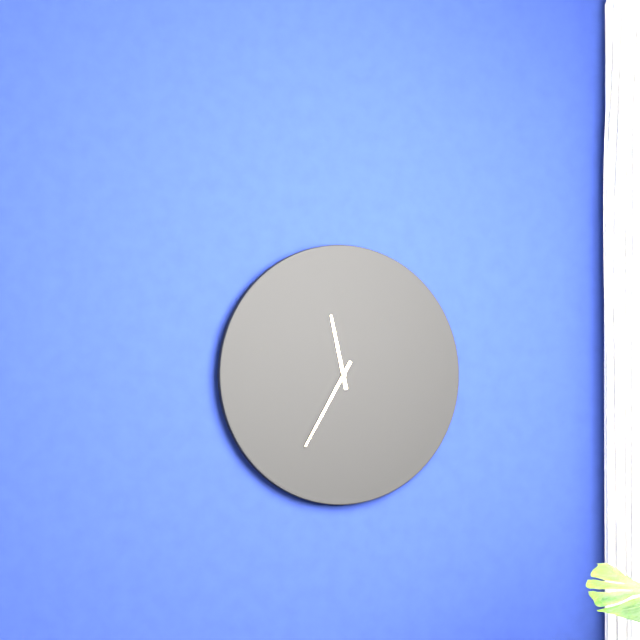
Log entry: 11,35
